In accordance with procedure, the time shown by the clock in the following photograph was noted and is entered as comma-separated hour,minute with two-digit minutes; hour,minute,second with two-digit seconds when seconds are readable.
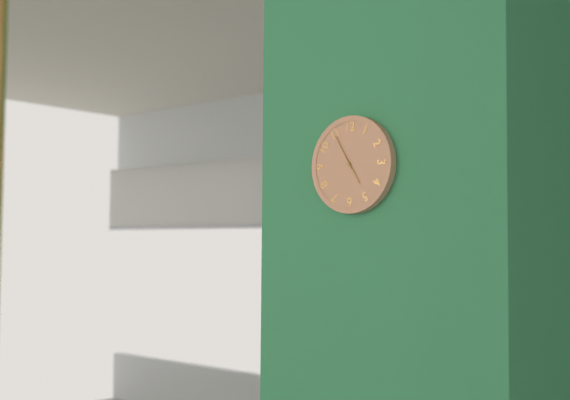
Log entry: 4,55
